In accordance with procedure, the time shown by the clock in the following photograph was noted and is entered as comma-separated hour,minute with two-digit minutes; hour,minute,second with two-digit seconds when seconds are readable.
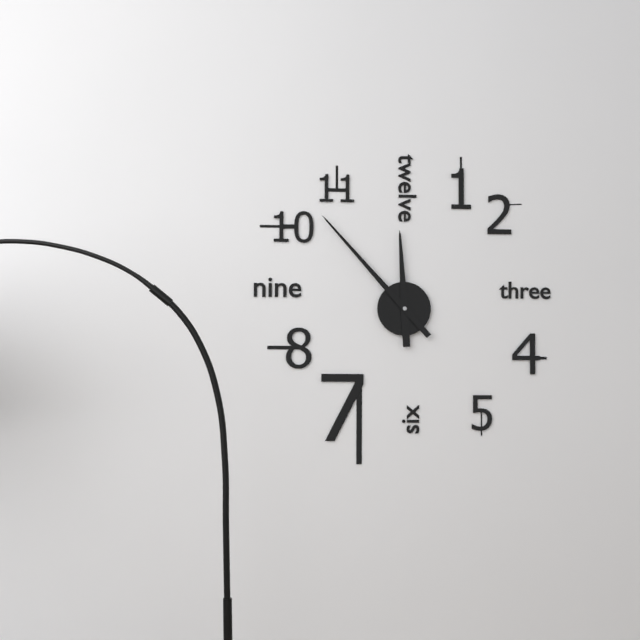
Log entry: 11,53
